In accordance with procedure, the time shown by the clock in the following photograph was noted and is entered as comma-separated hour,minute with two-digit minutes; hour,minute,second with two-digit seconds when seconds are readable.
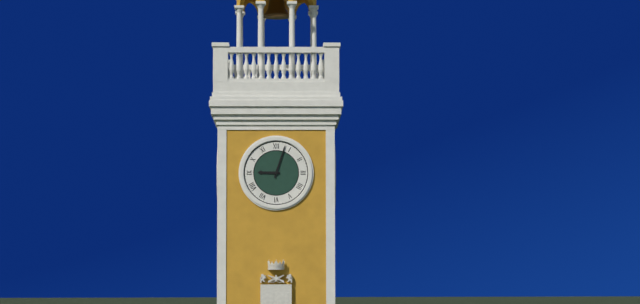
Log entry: 9,03
